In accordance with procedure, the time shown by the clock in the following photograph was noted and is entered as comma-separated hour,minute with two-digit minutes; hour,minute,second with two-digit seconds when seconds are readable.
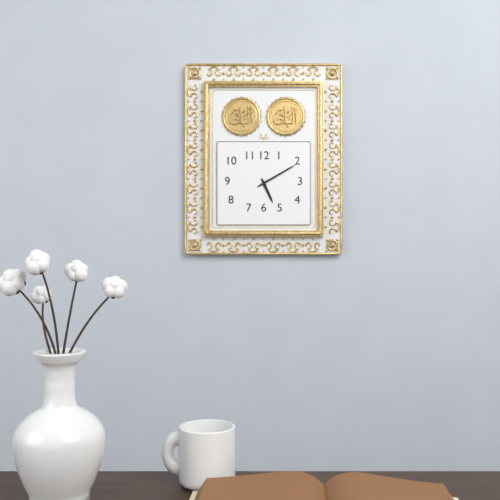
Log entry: 5,10
